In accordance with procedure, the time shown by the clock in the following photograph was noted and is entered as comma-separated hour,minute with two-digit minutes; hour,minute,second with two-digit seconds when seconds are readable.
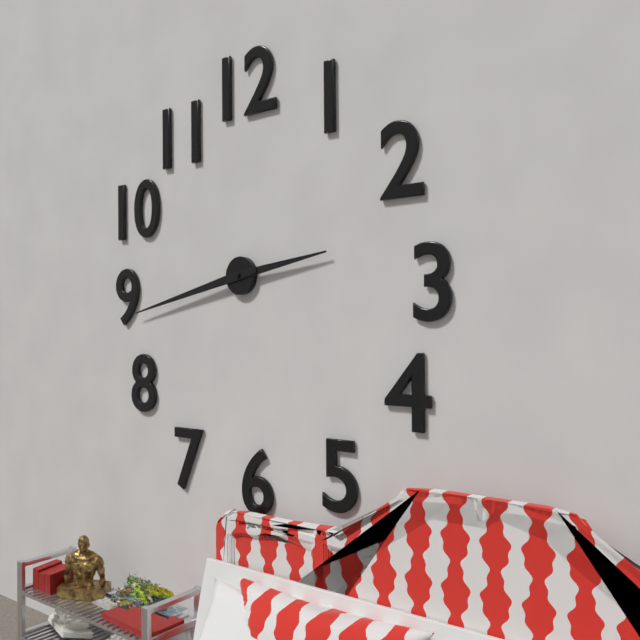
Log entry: 2,43
